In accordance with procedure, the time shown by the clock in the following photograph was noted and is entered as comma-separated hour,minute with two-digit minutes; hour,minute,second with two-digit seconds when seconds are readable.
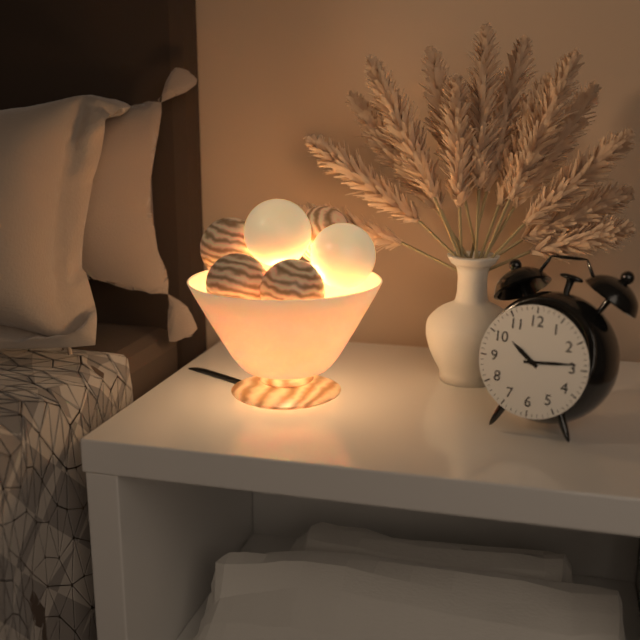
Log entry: 10,14
